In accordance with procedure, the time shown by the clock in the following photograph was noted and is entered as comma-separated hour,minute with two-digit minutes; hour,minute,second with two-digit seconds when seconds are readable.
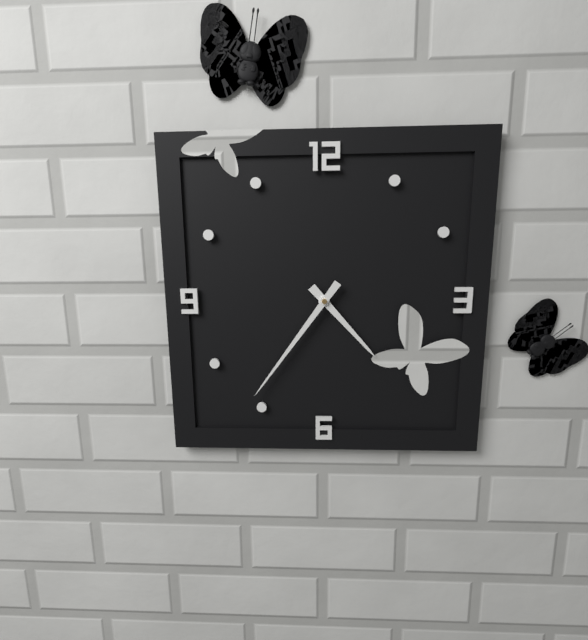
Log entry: 4,36
